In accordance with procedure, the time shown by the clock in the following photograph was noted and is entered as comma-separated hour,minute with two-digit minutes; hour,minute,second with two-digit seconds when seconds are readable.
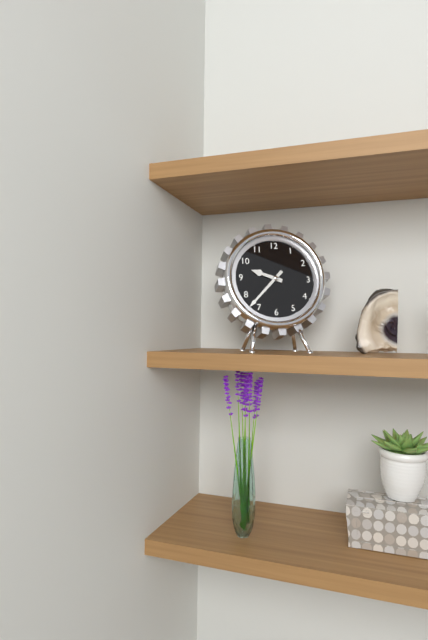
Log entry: 9,37
